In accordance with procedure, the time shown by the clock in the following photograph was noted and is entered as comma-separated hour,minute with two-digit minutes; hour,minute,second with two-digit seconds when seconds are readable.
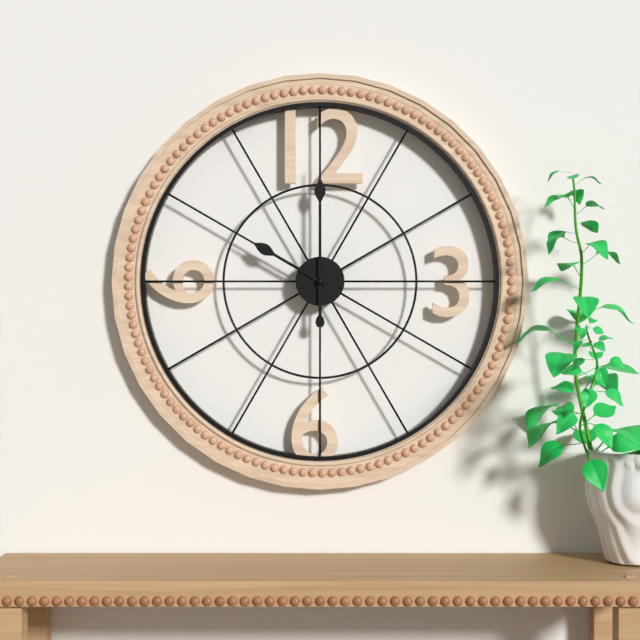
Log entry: 10,00
